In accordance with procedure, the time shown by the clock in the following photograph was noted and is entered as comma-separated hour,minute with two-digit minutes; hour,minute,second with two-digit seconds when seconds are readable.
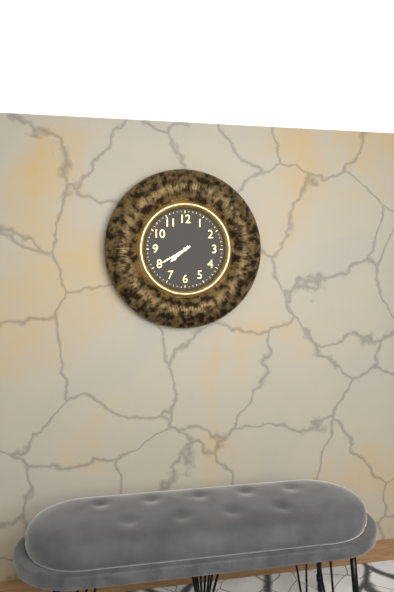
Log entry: 7,40
